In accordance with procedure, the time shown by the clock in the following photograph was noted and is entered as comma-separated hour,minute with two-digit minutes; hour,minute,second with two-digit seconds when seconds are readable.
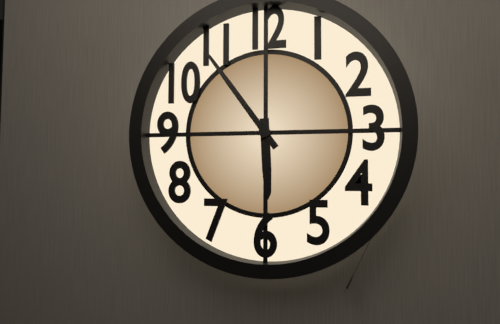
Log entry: 5,54
